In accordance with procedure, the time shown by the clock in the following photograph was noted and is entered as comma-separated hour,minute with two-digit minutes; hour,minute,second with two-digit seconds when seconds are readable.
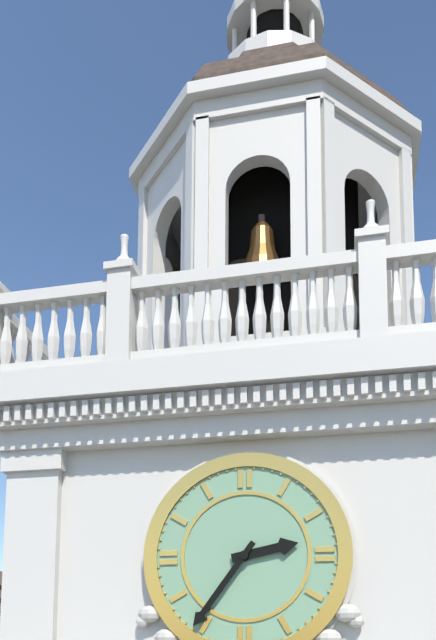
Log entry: 2,36
